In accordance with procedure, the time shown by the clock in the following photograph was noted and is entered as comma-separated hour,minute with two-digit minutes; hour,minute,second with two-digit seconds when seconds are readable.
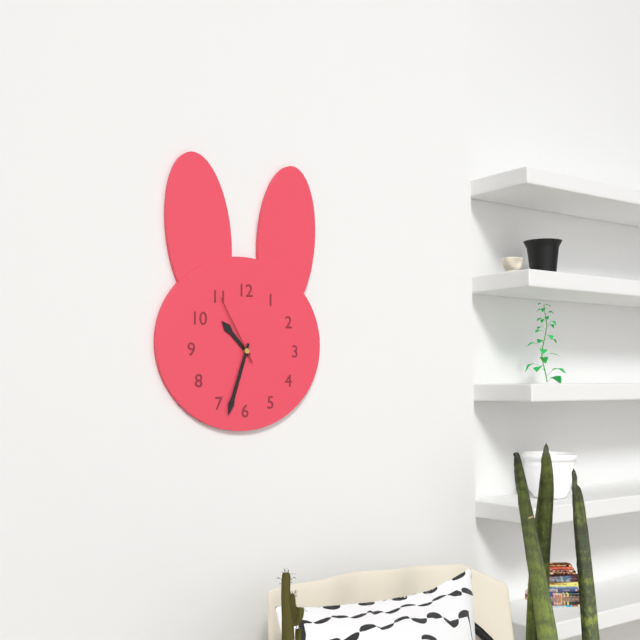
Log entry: 10,33,55
